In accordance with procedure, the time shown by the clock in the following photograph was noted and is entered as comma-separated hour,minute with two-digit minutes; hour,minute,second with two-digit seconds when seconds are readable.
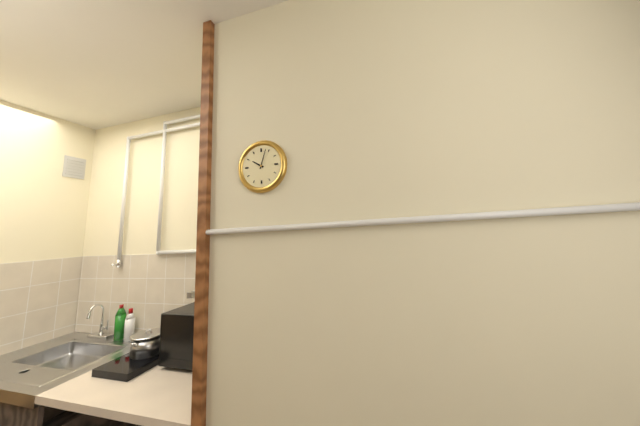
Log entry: 10,03
